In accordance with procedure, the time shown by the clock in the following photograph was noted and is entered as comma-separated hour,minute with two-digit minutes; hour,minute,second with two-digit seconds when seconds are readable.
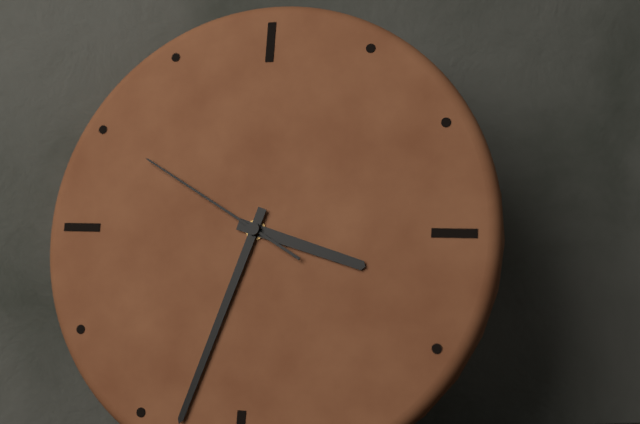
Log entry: 3,33,50
